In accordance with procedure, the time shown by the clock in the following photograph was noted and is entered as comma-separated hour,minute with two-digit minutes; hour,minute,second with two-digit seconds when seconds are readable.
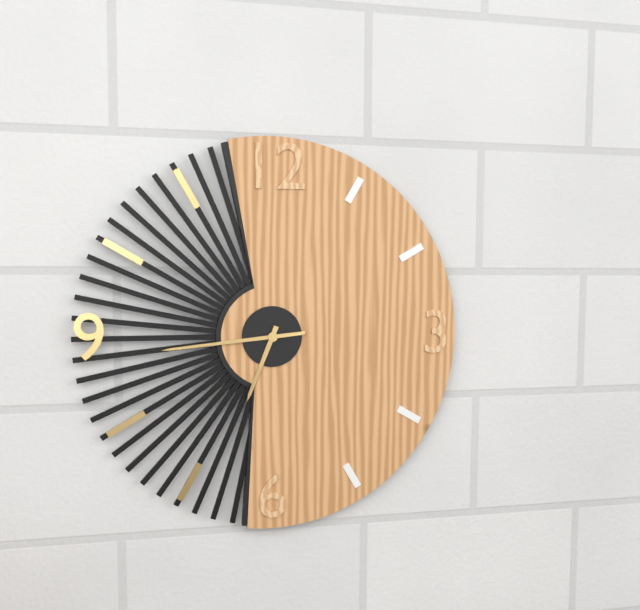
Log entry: 6,44
